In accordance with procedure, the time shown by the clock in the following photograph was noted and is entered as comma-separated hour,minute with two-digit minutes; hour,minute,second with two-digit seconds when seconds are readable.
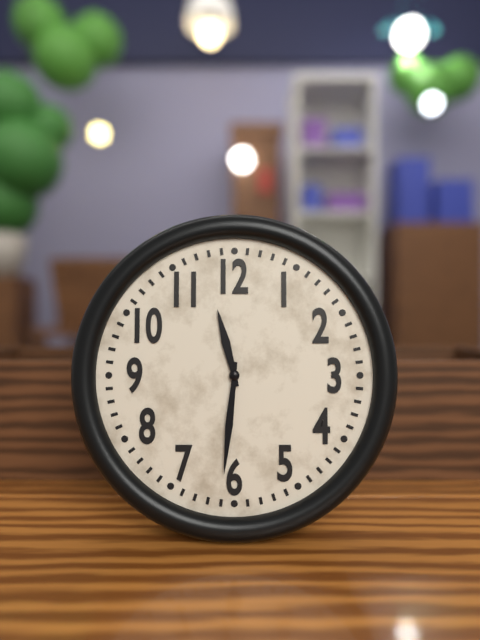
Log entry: 11,31
